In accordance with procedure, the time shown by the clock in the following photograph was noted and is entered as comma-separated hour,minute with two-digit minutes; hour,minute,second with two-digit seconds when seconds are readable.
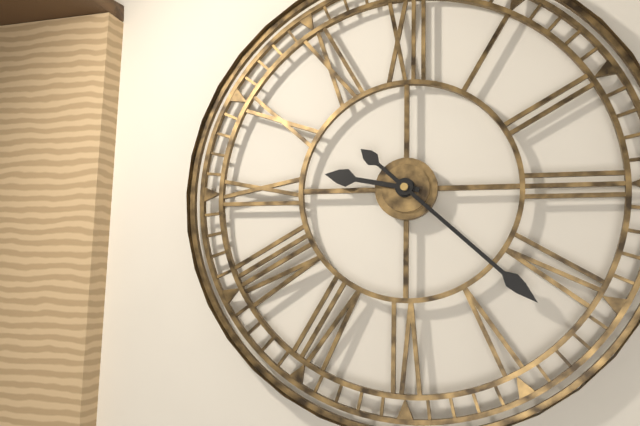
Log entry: 9,22
